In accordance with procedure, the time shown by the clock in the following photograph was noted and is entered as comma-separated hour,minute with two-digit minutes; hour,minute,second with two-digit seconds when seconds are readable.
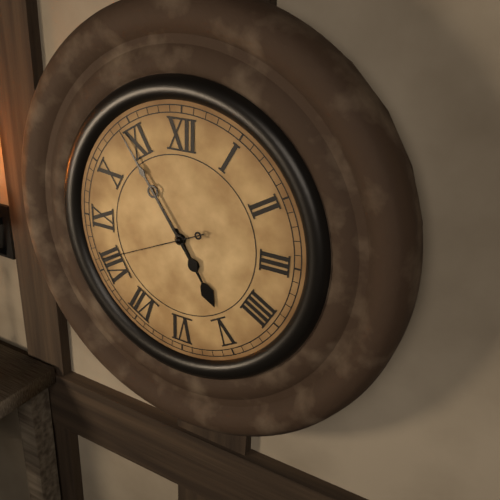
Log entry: 4,54,41
